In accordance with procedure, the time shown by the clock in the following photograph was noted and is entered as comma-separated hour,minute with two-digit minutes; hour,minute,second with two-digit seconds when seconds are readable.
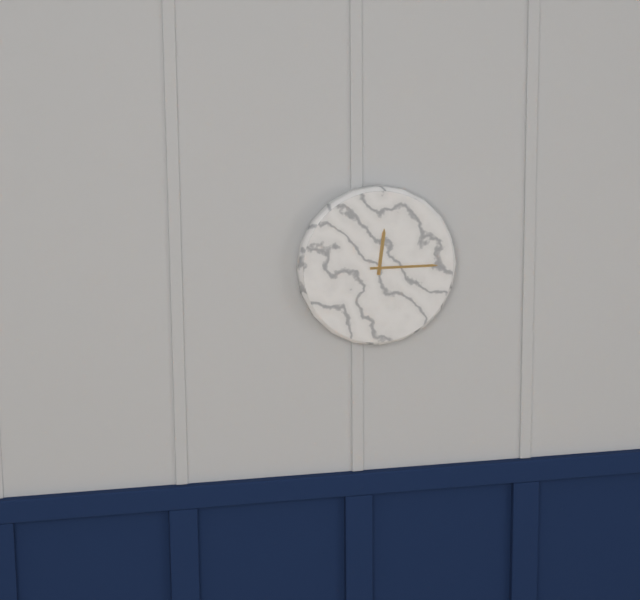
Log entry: 12,15
